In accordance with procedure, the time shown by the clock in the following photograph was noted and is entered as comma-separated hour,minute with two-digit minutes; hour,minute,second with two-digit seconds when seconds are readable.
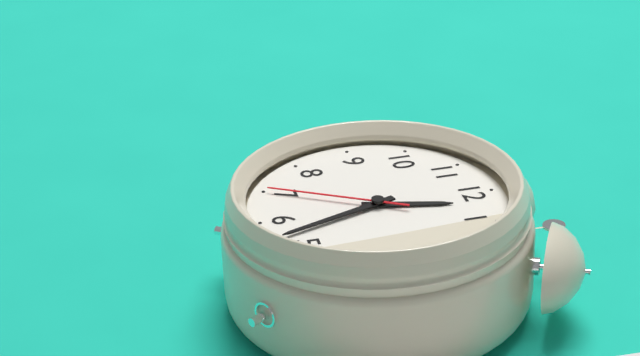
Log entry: 12,27,35
